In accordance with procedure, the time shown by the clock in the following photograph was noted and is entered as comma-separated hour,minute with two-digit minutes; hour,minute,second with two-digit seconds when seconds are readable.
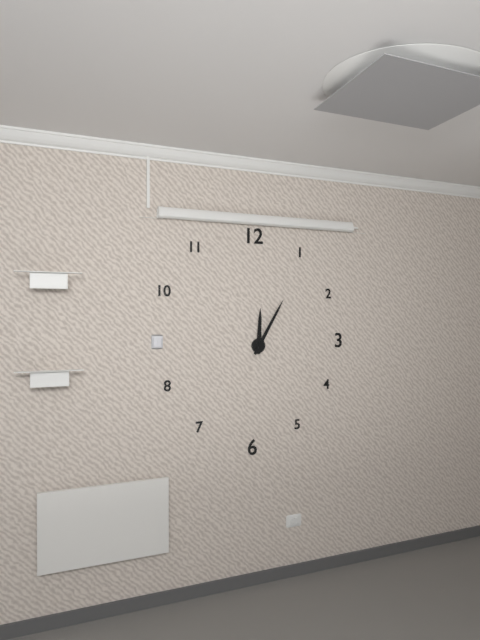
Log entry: 12,05
